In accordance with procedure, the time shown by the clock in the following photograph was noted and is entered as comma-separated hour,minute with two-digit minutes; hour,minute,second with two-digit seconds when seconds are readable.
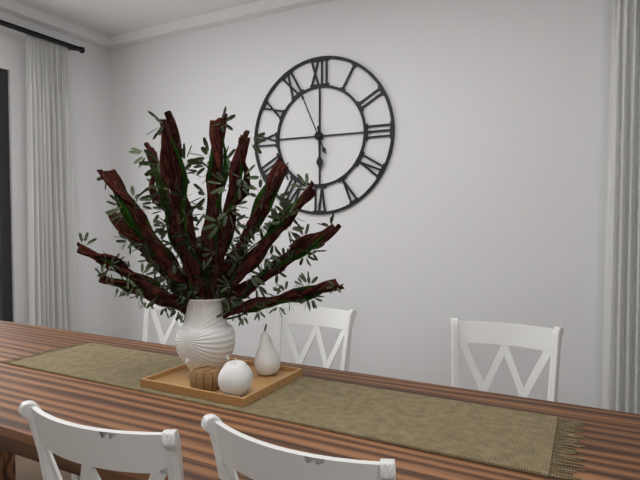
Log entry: 5,56
